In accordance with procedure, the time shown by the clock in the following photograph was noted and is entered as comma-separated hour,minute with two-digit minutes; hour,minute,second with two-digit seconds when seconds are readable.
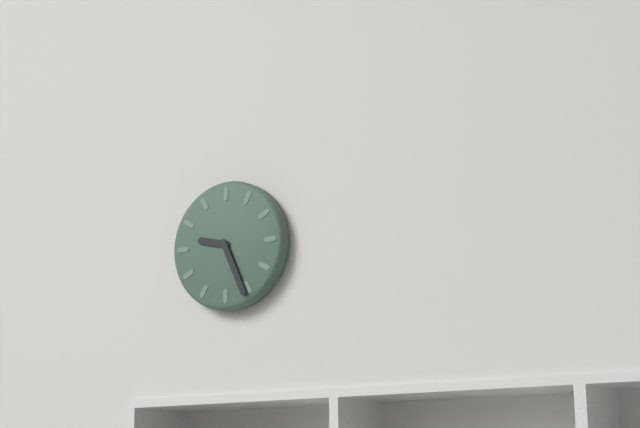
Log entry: 9,26
